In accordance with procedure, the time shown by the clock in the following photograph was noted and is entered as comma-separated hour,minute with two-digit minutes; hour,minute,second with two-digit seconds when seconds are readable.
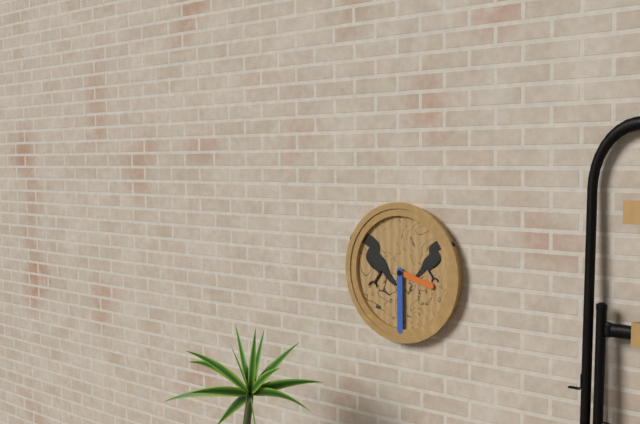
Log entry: 3,30
